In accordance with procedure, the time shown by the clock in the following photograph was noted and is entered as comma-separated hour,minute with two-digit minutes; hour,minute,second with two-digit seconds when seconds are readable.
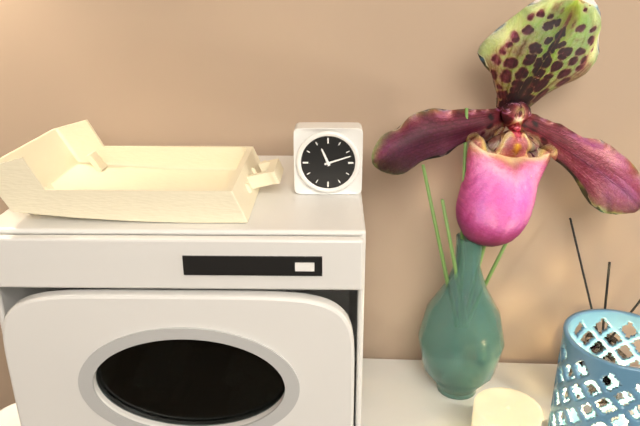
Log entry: 11,12
